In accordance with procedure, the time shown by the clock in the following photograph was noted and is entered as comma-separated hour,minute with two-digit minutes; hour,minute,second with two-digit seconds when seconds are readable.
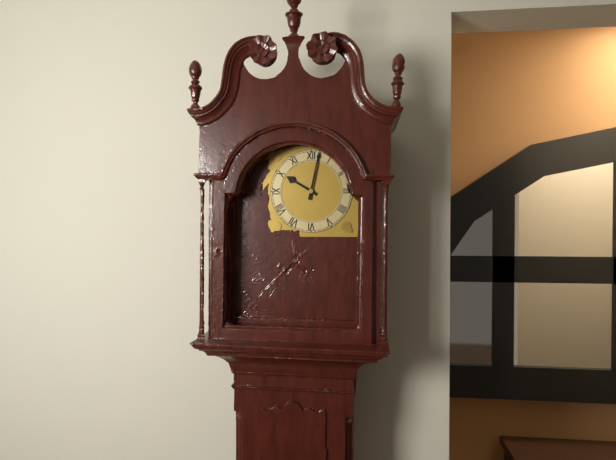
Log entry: 10,02
